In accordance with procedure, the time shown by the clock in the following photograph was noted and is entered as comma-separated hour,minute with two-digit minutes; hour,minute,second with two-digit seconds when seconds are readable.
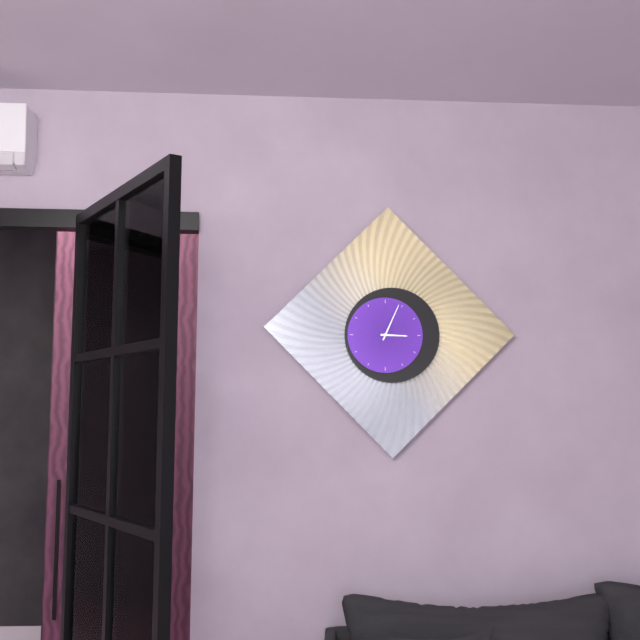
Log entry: 3,04
